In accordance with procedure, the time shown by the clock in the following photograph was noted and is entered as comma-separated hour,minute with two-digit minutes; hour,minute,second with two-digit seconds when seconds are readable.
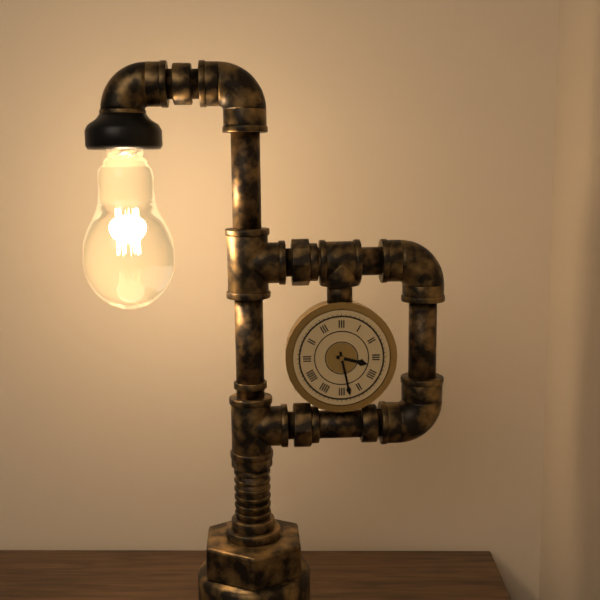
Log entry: 3,28
